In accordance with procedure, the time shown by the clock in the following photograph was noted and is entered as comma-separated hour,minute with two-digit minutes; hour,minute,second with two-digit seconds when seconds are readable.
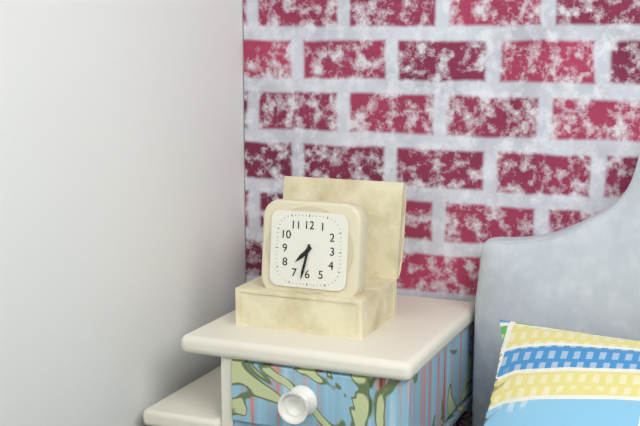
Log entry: 7,32
